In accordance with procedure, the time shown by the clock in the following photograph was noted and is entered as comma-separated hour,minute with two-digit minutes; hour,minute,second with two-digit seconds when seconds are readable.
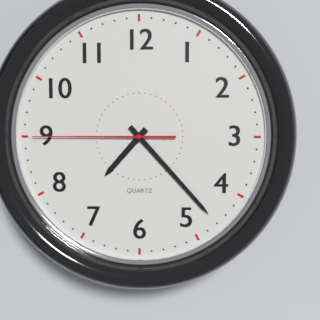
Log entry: 7,23,45
